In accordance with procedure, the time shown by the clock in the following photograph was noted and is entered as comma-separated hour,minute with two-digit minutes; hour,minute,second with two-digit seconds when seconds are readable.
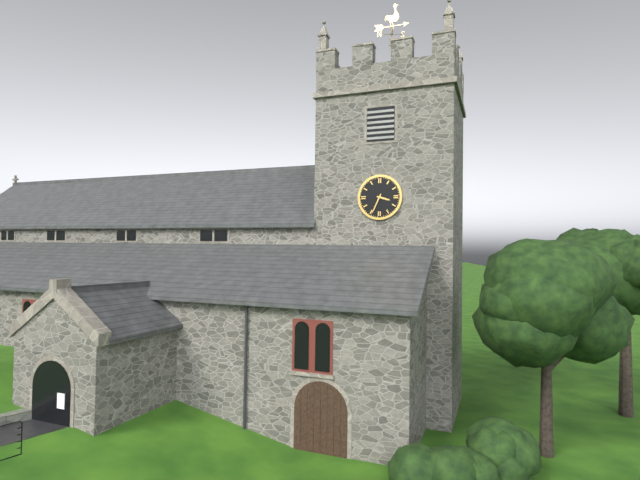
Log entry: 3,34
